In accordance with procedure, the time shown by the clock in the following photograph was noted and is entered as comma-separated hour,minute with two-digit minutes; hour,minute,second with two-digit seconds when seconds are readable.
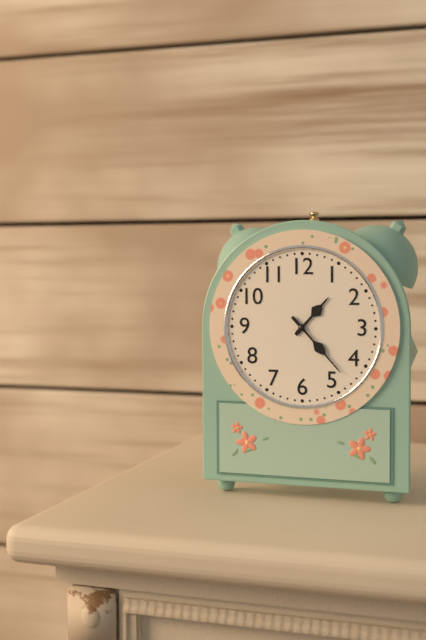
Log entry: 1,23
